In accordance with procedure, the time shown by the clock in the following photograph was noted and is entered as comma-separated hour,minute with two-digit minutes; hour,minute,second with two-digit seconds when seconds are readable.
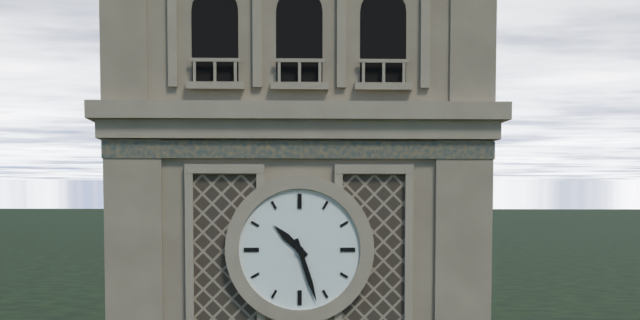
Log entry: 10,27
